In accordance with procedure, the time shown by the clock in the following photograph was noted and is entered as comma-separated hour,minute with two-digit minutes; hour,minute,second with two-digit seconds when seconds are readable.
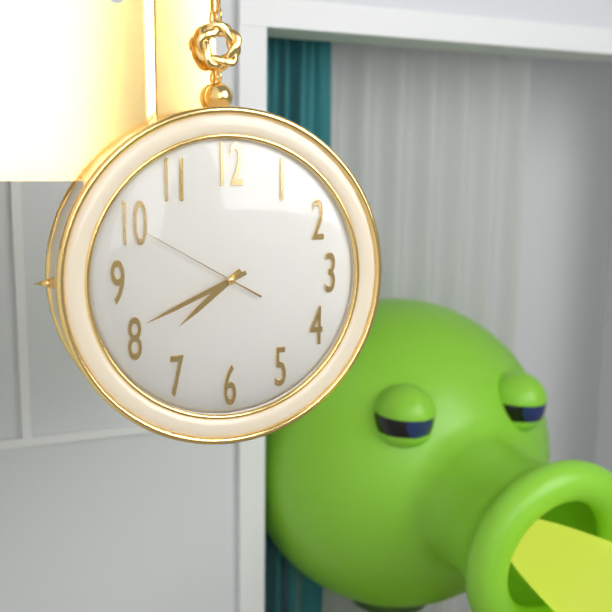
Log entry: 7,41,50
